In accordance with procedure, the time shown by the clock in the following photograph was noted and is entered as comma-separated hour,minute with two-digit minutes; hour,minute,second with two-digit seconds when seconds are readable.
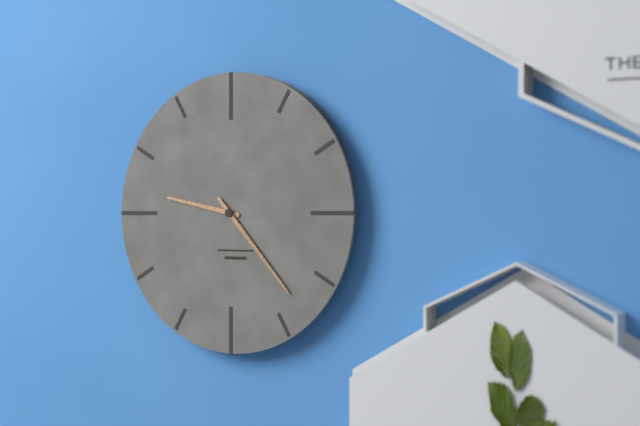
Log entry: 9,23
